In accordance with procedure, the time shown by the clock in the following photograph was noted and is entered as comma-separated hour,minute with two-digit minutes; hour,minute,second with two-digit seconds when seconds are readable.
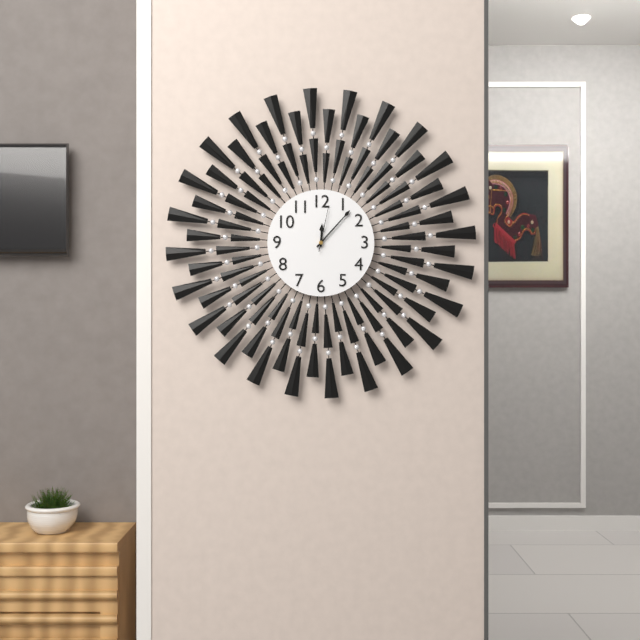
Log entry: 12,07
